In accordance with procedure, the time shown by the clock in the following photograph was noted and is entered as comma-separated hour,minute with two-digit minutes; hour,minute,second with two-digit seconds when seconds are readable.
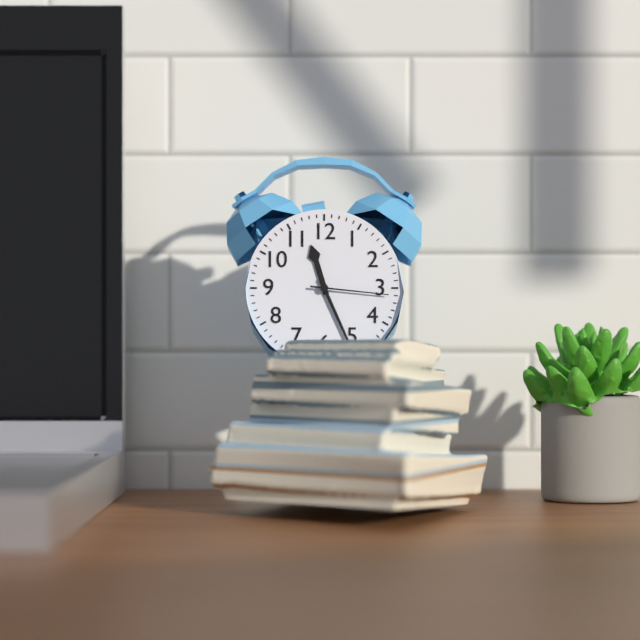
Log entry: 11,26,16
